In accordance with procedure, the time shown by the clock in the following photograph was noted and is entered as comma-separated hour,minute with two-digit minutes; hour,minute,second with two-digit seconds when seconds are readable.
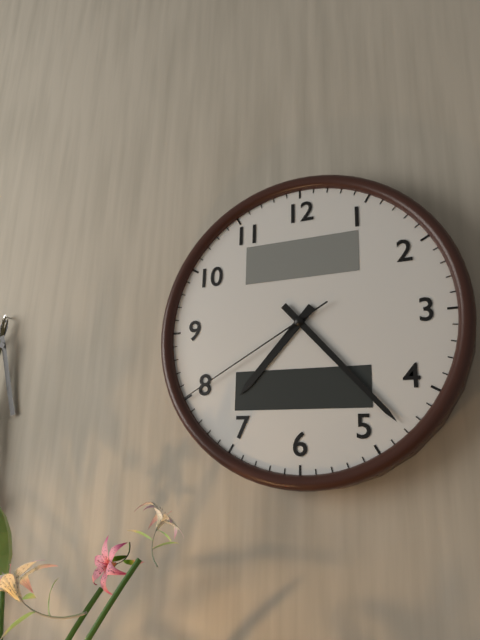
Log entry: 7,23,40
